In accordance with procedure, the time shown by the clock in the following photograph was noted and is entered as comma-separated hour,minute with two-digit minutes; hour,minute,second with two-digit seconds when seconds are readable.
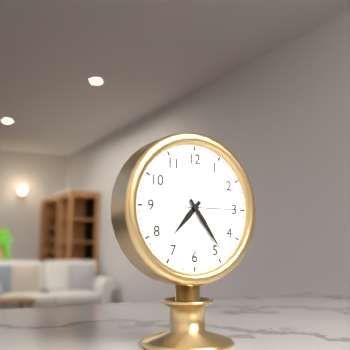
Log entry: 7,24,15
